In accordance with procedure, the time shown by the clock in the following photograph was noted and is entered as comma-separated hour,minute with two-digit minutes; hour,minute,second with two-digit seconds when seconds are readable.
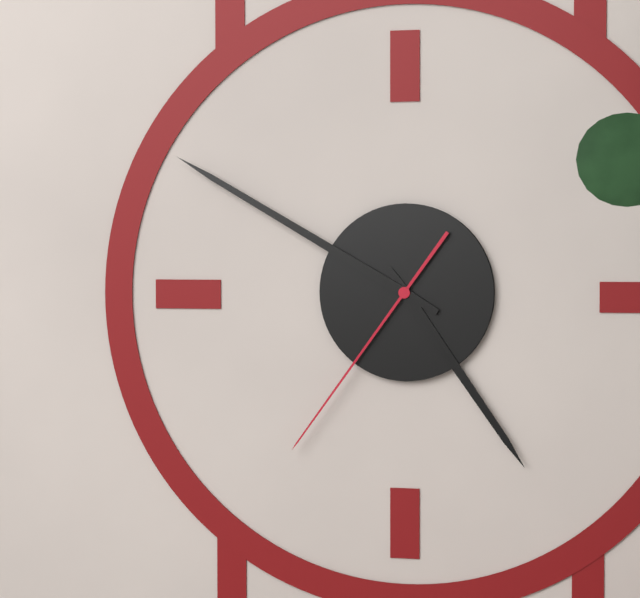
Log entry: 4,50,36
